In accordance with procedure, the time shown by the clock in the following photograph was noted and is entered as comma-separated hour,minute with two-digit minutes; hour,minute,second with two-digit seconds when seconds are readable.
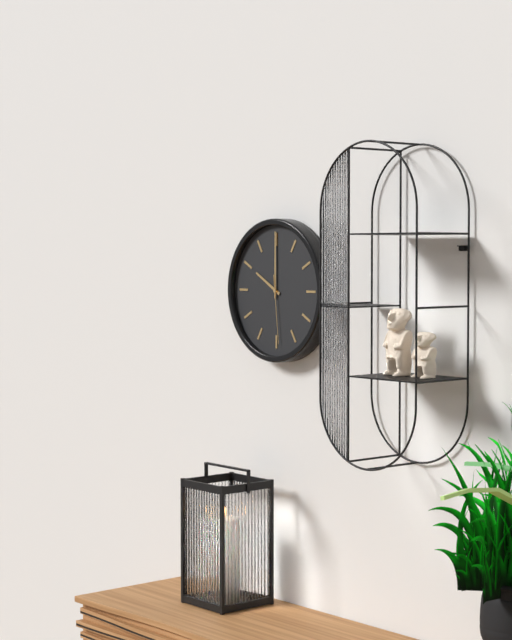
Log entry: 10,00,29
